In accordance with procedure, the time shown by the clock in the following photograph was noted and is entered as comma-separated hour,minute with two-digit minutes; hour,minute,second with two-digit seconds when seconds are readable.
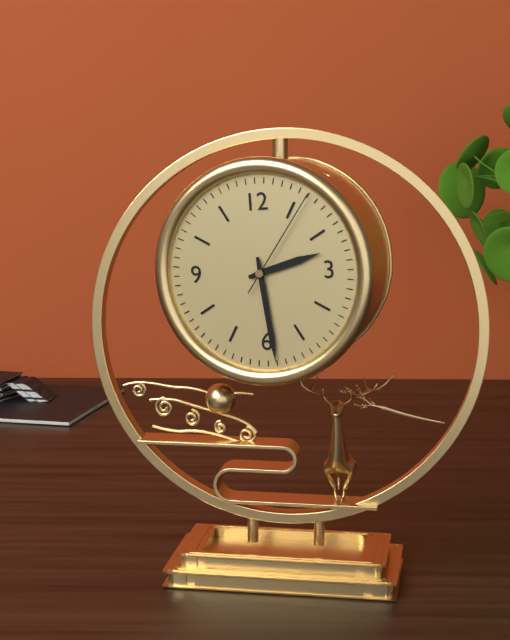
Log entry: 2,29,06
